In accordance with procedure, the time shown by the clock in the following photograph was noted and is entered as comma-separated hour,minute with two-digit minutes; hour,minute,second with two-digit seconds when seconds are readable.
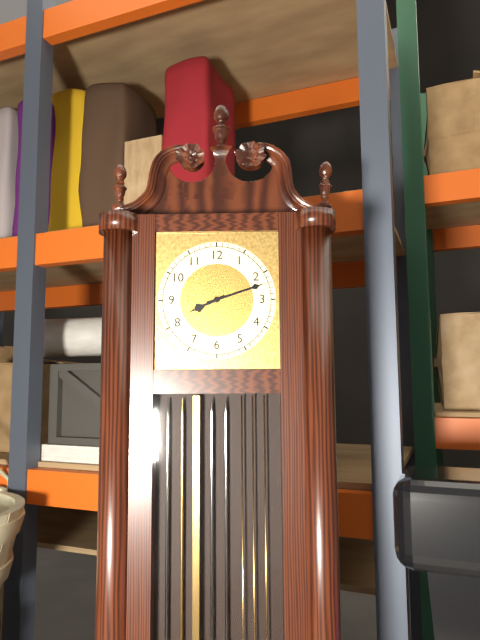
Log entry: 8,12
